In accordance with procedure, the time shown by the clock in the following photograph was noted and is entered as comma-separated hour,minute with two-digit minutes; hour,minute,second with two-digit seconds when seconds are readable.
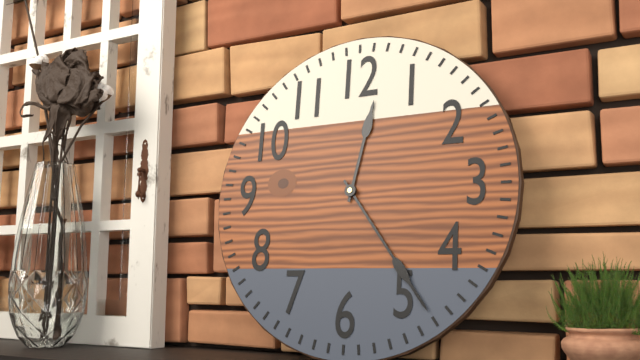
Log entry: 12,24
